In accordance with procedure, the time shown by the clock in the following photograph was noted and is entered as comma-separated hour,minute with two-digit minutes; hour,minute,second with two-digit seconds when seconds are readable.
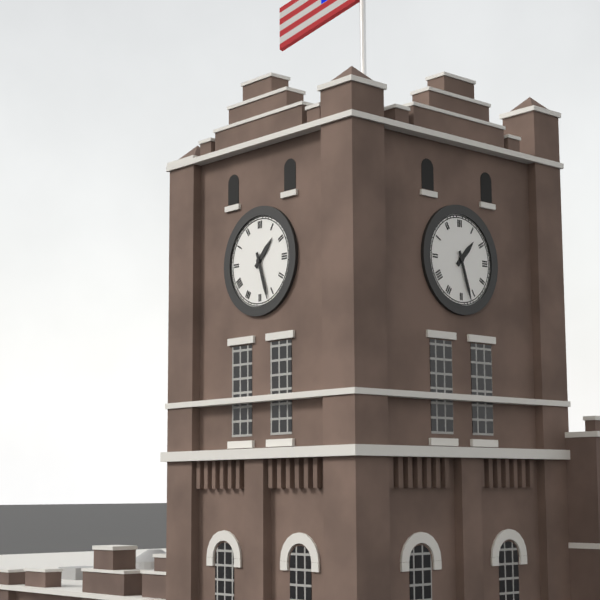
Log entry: 1,27
